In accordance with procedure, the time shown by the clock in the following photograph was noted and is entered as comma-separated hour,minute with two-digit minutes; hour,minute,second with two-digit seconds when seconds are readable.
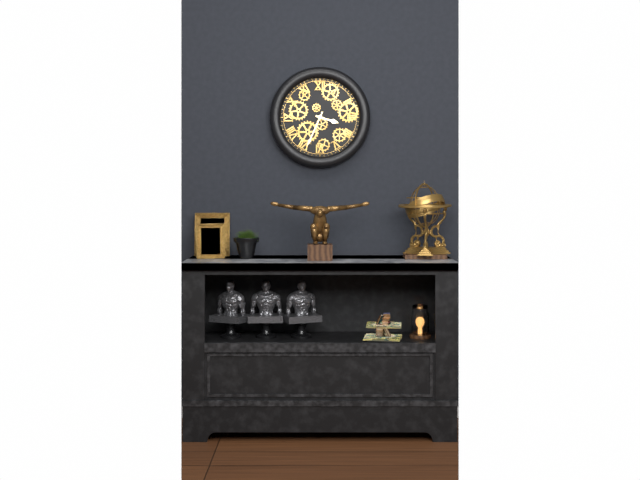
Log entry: 3,34
